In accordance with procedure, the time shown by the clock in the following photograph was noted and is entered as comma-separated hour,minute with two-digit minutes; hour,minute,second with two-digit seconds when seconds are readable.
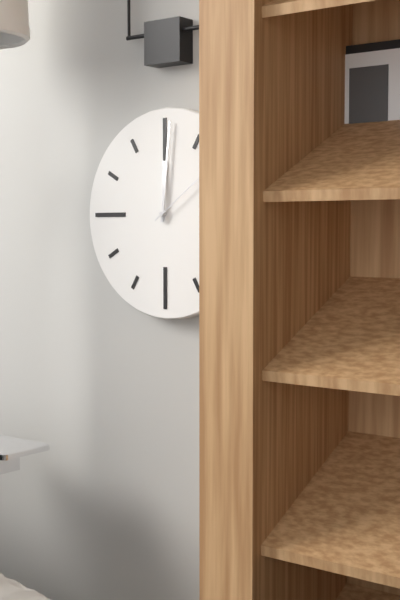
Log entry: 12,01
